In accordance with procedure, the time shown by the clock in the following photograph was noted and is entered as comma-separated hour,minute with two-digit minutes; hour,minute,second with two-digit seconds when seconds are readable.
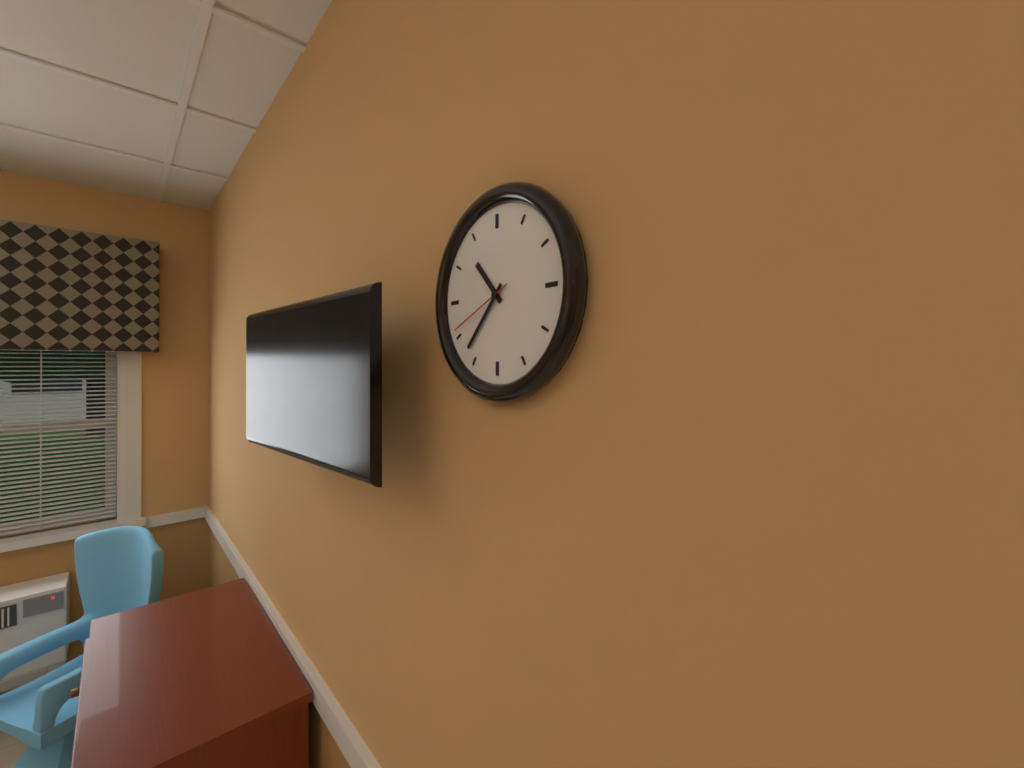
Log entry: 10,37,41
